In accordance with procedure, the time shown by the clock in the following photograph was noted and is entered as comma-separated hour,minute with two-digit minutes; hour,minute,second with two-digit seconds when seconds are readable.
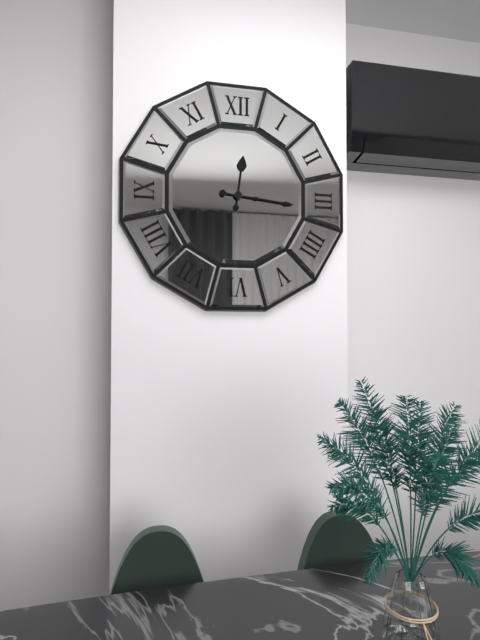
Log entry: 12,16
